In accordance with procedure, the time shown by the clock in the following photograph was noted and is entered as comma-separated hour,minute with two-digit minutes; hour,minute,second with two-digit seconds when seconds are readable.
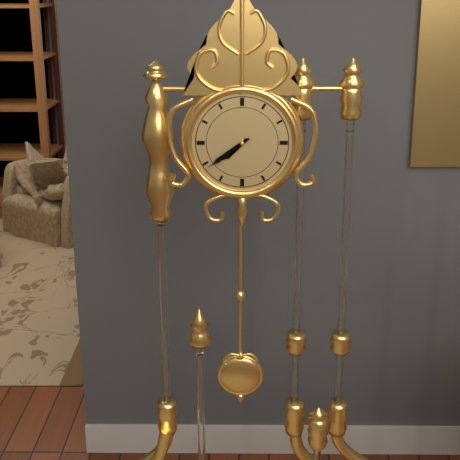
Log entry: 7,39
